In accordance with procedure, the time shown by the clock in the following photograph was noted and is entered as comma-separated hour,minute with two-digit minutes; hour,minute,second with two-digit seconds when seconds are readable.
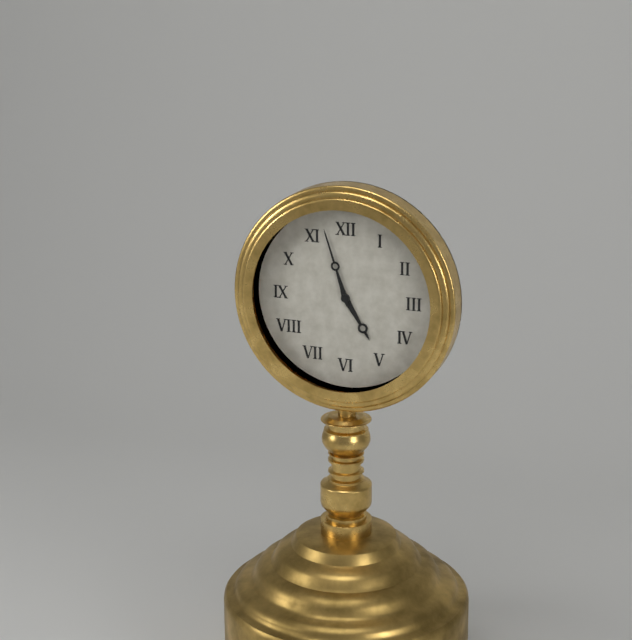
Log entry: 4,57
